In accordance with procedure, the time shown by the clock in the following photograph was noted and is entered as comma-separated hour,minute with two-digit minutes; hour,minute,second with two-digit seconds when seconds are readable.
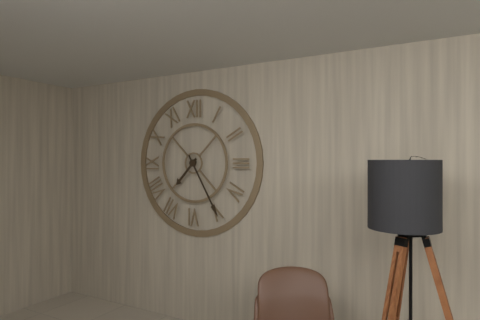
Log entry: 7,25
